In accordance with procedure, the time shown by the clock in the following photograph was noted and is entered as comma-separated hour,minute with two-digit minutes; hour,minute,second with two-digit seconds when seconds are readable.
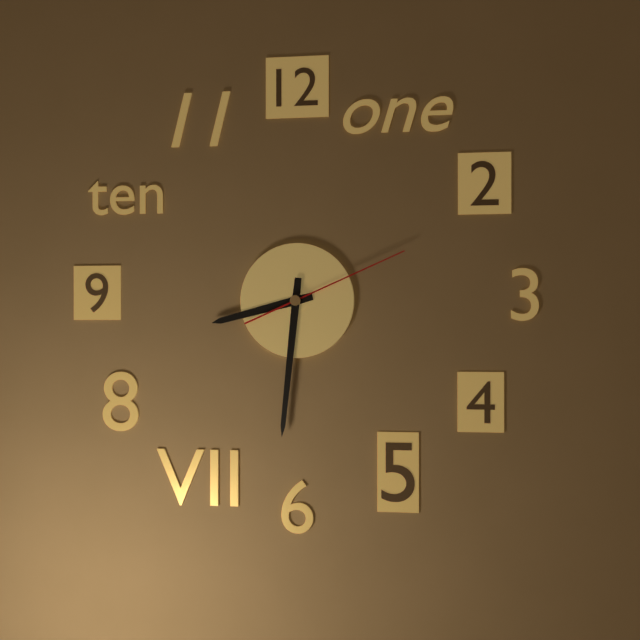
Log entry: 8,31,11
